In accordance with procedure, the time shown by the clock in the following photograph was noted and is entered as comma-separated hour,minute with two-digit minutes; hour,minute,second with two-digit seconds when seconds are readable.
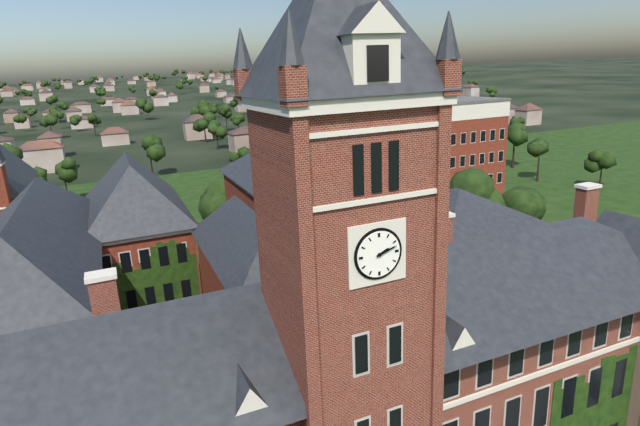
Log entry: 2,12
